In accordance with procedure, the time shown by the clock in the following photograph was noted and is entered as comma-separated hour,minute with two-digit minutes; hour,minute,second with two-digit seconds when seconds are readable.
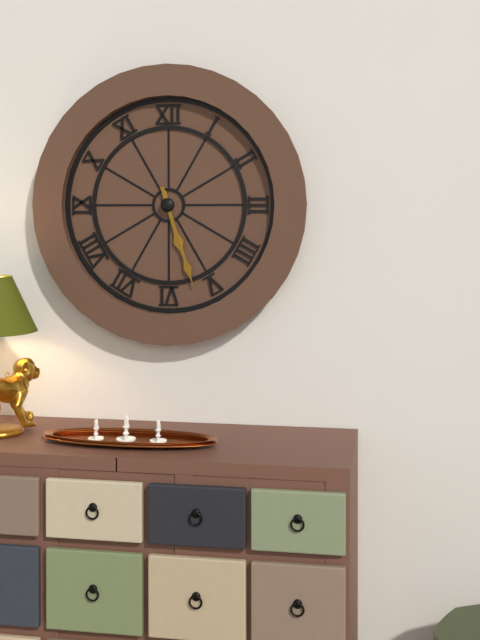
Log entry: 5,27
